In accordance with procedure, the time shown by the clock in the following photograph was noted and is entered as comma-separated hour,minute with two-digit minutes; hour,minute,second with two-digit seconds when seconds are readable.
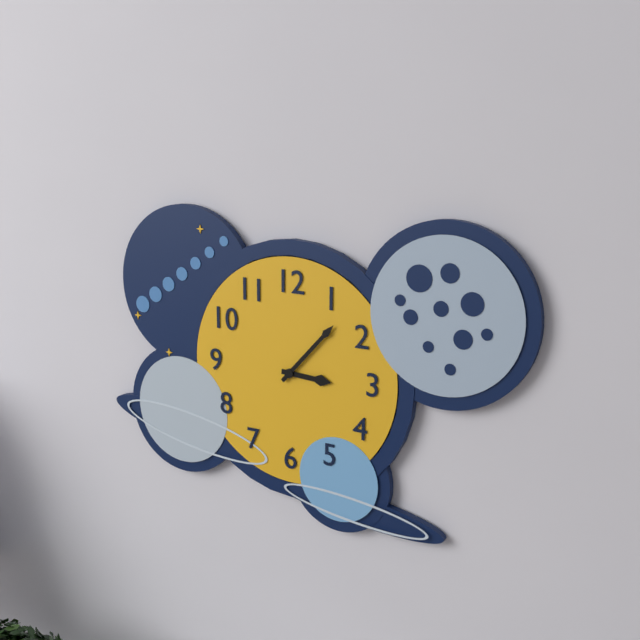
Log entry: 3,07
